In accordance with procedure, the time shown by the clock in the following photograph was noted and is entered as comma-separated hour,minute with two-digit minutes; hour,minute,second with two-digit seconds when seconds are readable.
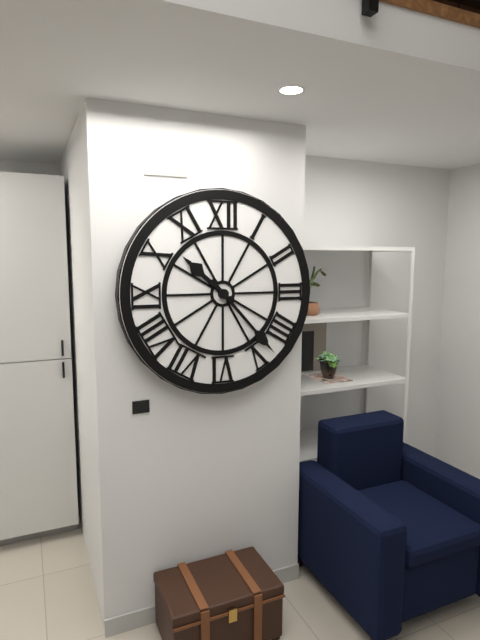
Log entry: 10,23
